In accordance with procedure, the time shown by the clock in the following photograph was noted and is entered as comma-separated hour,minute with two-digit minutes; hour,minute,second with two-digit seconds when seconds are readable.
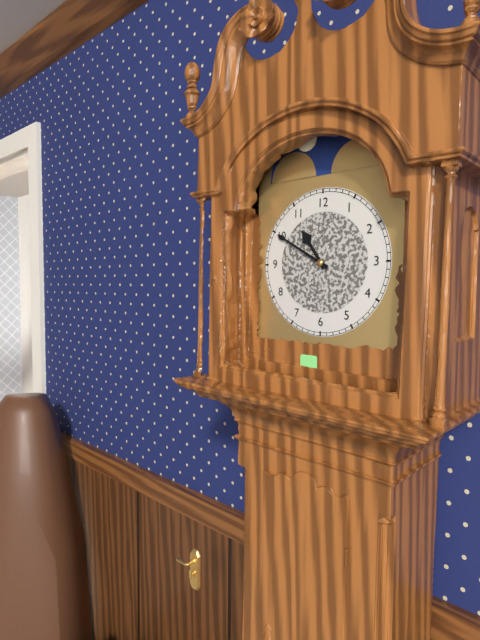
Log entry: 10,50
